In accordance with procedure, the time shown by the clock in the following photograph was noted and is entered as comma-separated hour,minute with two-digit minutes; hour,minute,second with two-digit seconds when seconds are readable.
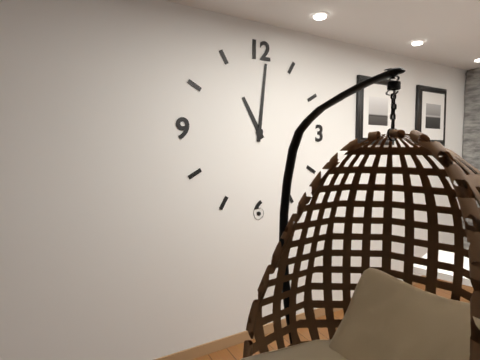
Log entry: 11,01
